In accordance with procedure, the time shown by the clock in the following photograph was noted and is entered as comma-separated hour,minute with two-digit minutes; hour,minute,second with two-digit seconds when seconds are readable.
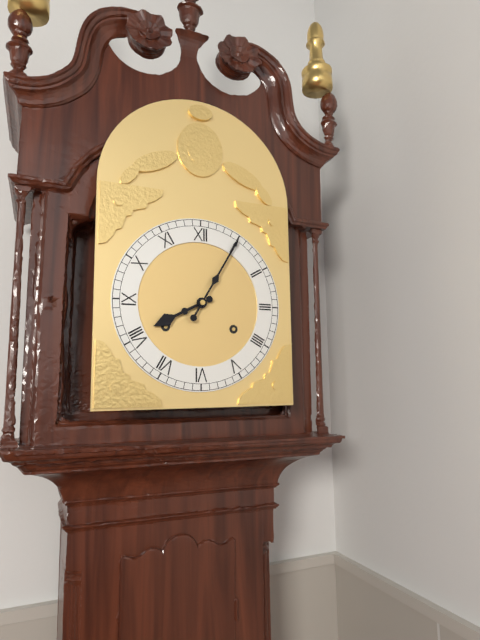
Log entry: 8,05
